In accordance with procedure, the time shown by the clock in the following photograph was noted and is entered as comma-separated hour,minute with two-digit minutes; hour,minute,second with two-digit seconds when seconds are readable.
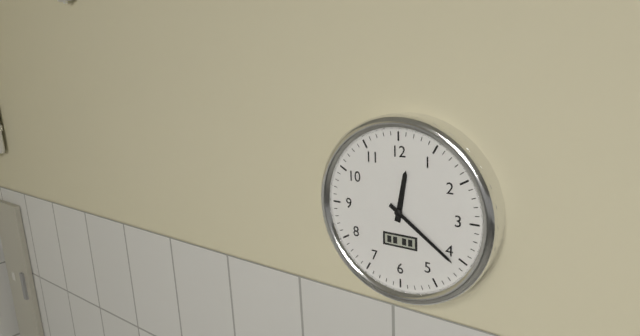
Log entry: 12,21
